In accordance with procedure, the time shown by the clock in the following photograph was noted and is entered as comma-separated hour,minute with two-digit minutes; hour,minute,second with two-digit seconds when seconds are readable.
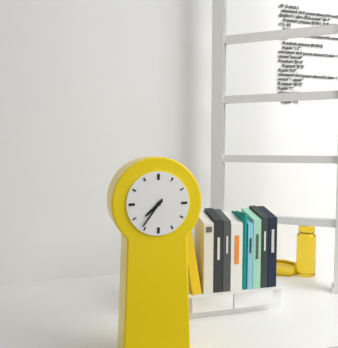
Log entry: 7,36
